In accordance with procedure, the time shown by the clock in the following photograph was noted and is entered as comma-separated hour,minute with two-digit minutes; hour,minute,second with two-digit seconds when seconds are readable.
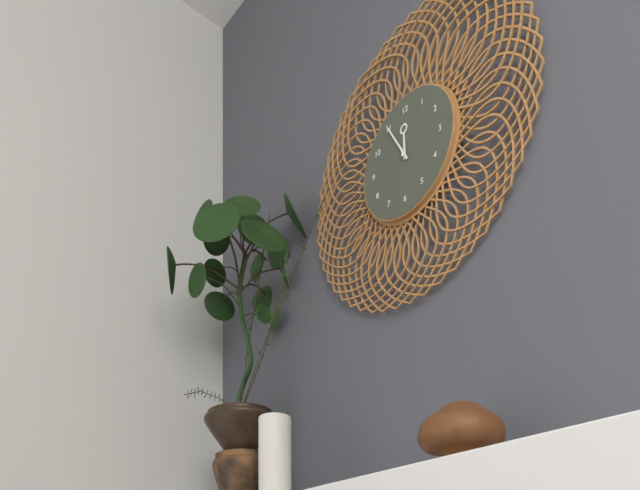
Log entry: 11,55
